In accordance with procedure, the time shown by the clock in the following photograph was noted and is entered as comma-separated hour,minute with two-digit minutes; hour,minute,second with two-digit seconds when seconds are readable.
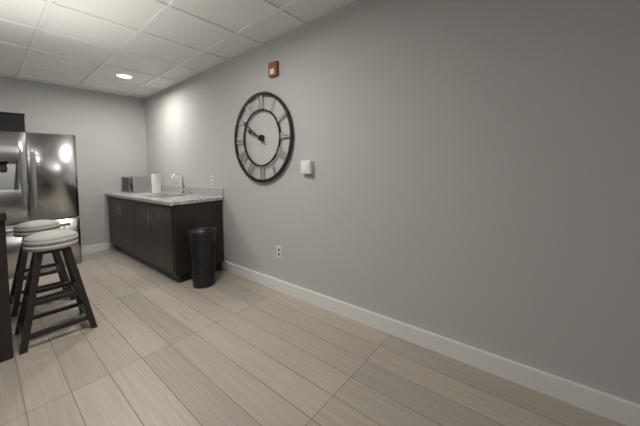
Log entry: 9,51
